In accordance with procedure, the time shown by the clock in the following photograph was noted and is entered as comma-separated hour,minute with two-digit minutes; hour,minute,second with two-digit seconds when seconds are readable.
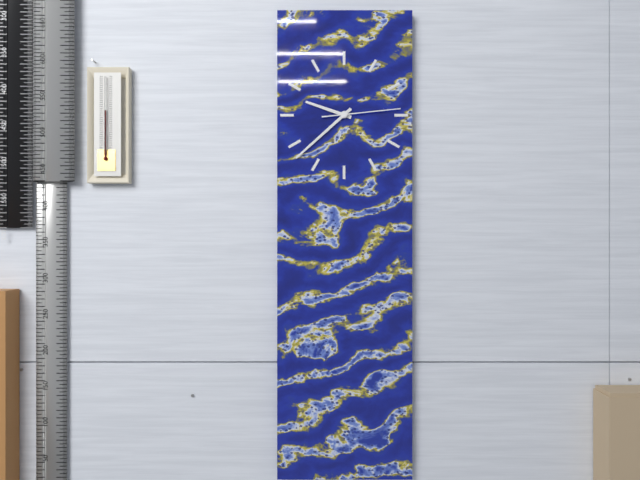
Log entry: 9,38,14
